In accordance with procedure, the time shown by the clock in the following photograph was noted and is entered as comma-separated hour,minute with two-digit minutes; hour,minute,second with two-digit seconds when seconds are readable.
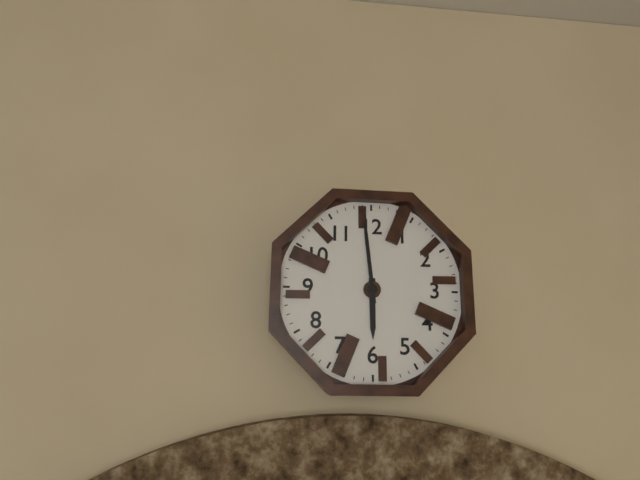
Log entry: 5,59
